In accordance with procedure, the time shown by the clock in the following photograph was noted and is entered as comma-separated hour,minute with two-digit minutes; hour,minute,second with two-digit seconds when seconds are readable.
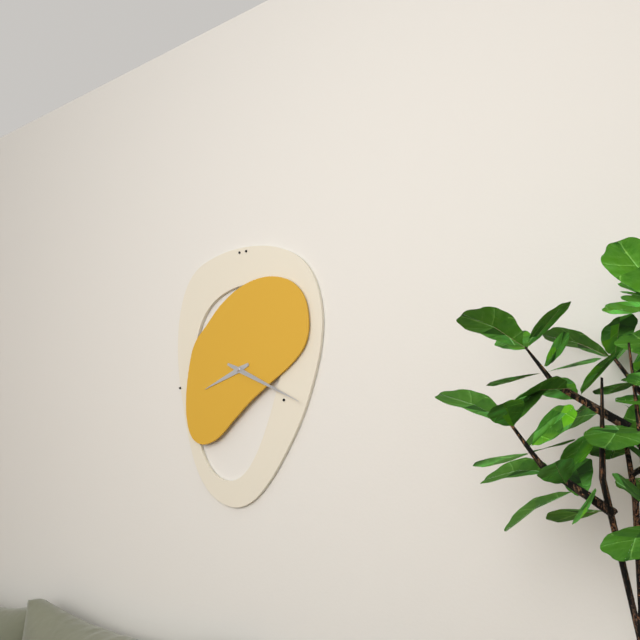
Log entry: 8,19,19
